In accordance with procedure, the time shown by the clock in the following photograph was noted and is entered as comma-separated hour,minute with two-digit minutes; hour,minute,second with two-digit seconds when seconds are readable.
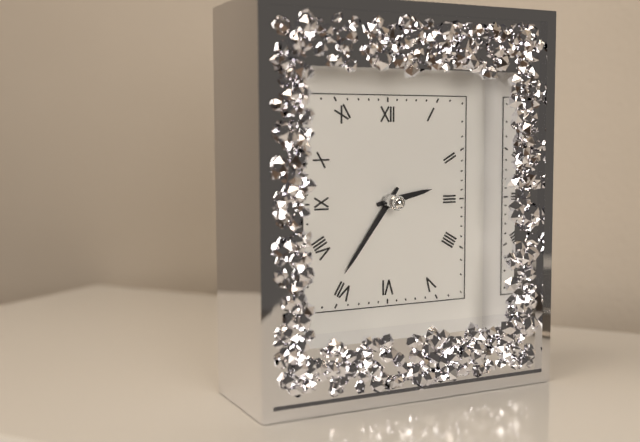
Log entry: 2,36
